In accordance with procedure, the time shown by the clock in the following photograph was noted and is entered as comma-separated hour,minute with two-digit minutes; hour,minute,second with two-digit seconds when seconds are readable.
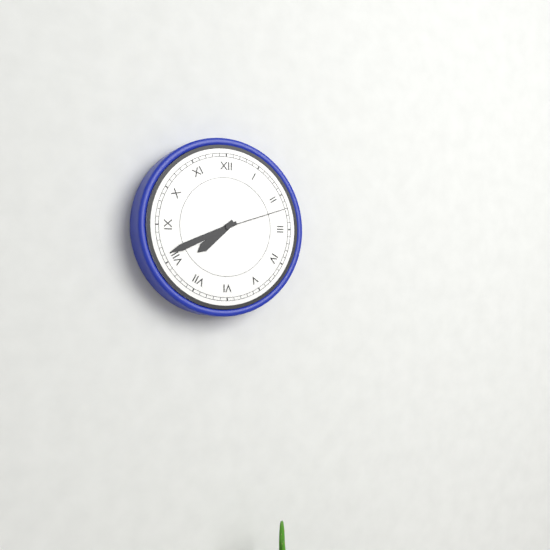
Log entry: 7,41,12
